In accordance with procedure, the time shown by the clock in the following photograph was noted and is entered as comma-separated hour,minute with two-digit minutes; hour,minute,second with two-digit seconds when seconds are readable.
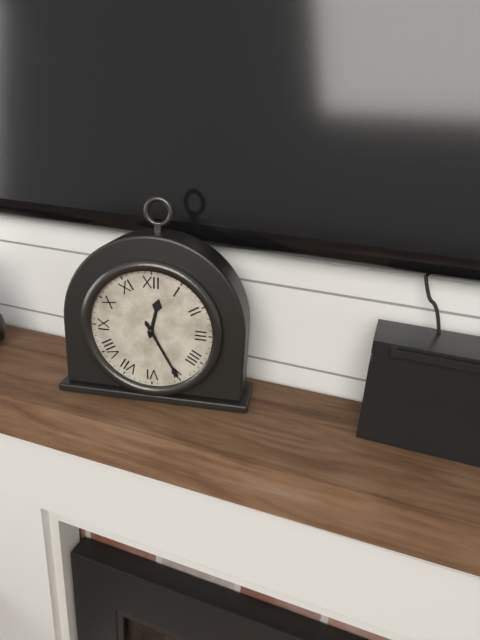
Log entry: 12,25
